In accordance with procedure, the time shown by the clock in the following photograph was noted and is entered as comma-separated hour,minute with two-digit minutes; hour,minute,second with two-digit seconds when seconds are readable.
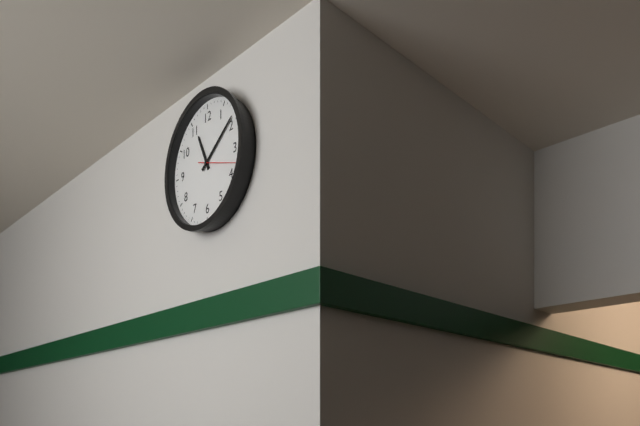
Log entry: 11,09
